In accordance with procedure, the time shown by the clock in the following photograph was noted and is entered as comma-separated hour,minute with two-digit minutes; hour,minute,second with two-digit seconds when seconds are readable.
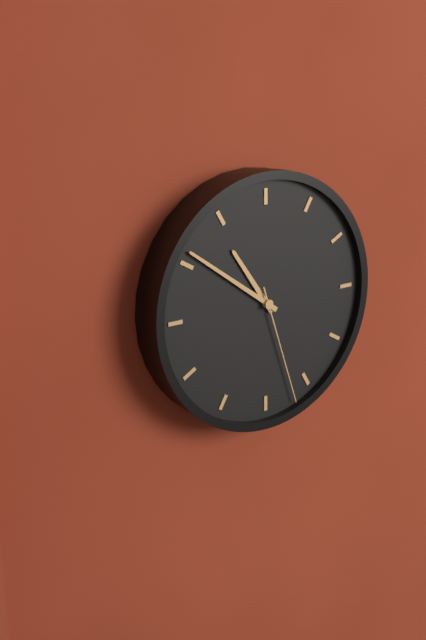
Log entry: 10,51,27
